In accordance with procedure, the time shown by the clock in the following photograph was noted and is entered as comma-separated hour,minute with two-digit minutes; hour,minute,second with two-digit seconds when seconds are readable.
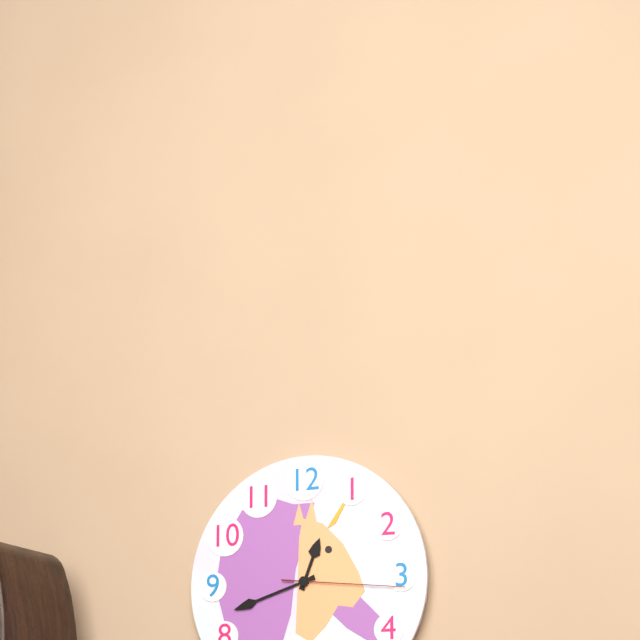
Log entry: 12,42,16
